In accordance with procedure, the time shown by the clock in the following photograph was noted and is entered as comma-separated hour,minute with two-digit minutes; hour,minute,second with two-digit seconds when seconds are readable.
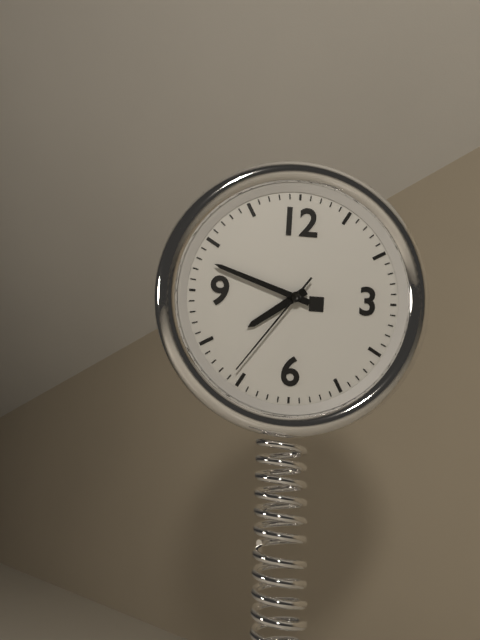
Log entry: 7,48,36
